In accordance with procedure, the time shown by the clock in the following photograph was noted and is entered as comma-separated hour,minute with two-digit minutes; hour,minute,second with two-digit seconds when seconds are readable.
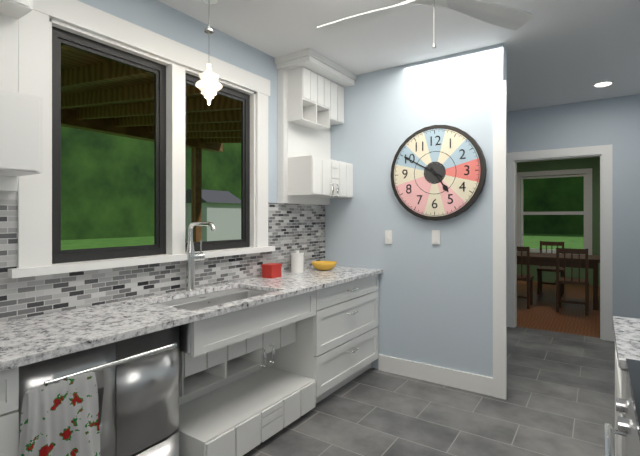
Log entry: 4,50
